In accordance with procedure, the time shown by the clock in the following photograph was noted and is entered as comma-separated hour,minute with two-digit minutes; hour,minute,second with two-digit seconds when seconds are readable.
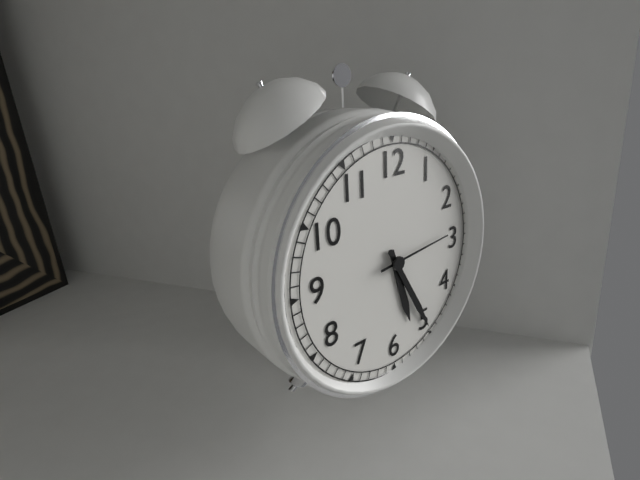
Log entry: 5,25,14
